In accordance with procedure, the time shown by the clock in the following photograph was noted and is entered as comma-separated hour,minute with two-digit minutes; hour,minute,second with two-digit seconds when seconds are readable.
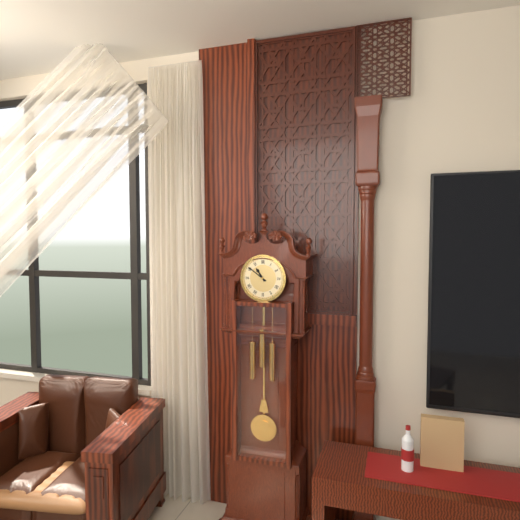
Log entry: 10,51
